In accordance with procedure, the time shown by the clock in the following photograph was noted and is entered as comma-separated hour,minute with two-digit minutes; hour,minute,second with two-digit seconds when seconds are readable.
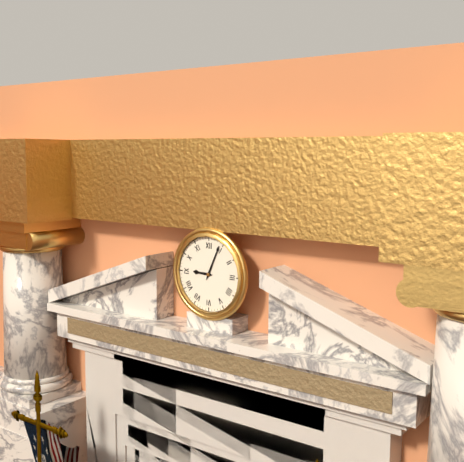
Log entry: 9,04
